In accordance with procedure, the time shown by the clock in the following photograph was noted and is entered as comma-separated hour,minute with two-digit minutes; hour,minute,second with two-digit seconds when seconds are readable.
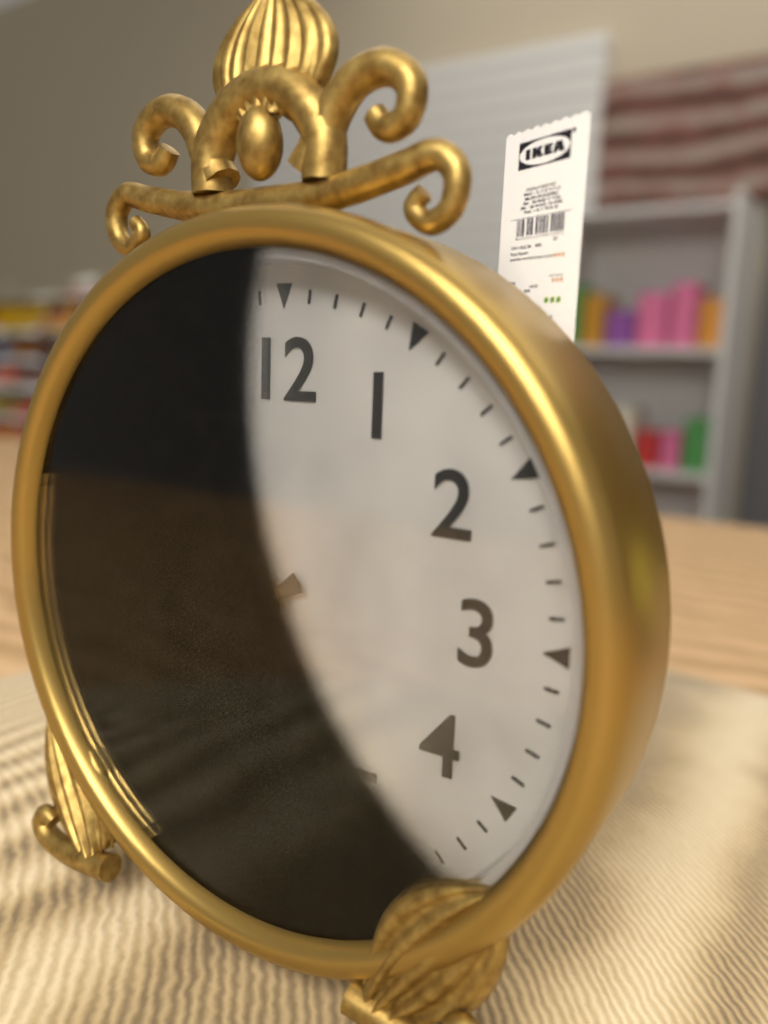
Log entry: 7,41
